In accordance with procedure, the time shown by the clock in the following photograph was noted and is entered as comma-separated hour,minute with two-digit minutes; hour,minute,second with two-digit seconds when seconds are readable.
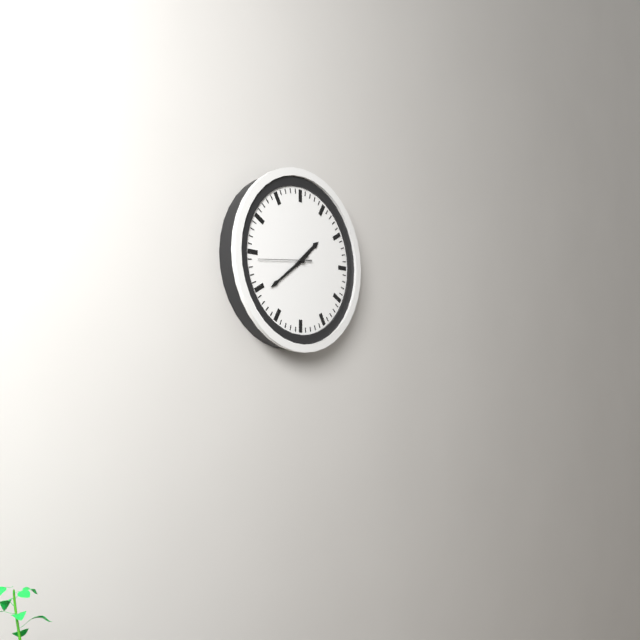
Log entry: 1,39,44
